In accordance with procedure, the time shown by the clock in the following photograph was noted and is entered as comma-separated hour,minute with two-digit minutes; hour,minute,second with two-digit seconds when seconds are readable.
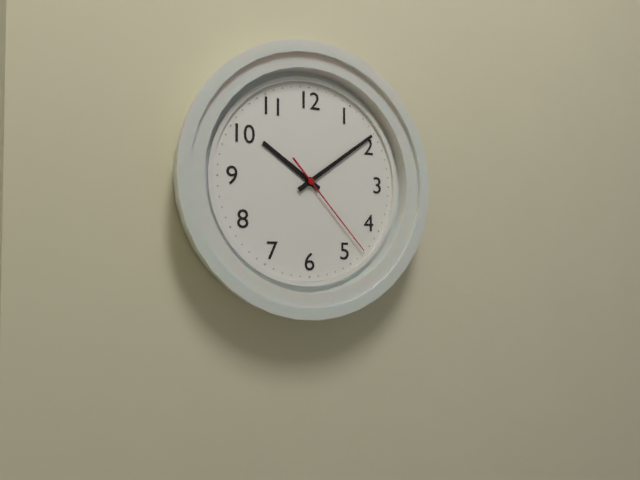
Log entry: 10,09,23
